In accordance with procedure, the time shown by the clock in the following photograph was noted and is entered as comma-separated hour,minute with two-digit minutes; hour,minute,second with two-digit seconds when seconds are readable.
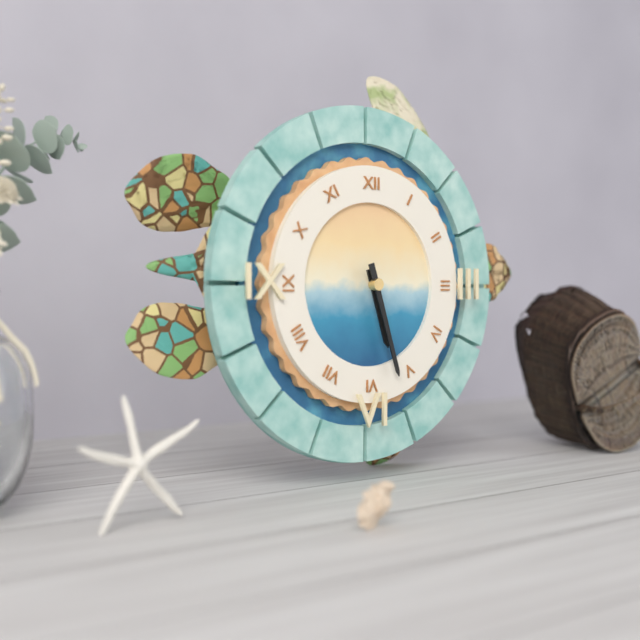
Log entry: 5,27
